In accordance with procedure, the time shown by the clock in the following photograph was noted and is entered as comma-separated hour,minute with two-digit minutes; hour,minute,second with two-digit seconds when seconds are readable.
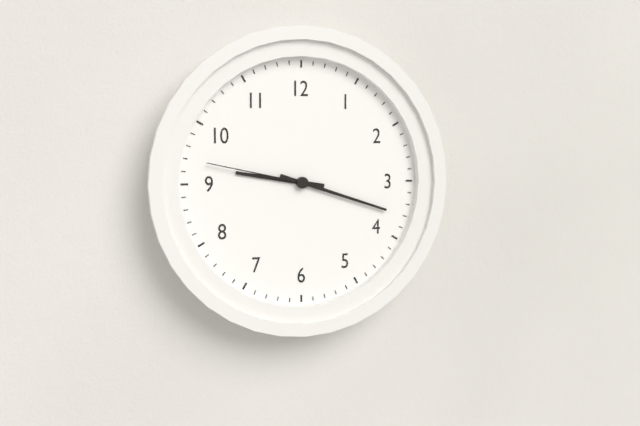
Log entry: 9,18,47
